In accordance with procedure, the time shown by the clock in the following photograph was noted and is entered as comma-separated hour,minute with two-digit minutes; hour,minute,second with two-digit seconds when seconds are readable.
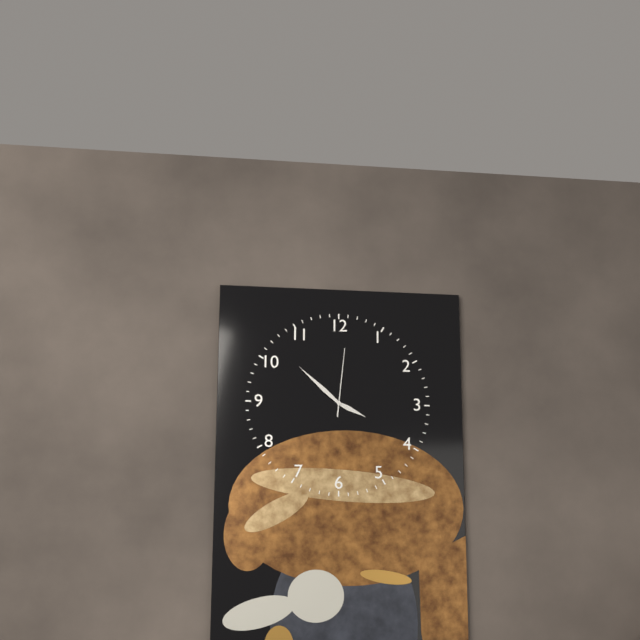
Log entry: 3,52,01
